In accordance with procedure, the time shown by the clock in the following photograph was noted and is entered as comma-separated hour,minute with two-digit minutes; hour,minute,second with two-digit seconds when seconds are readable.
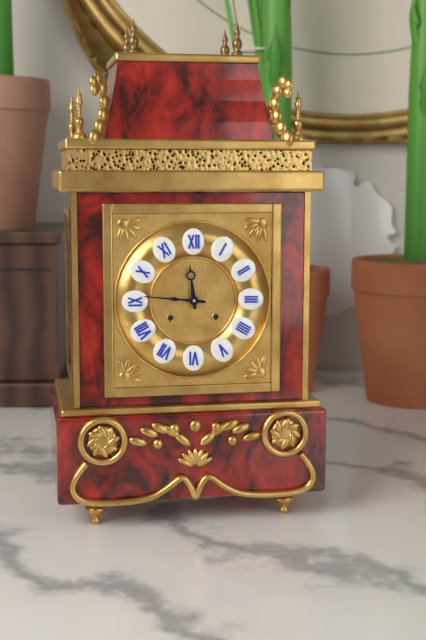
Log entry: 11,46
